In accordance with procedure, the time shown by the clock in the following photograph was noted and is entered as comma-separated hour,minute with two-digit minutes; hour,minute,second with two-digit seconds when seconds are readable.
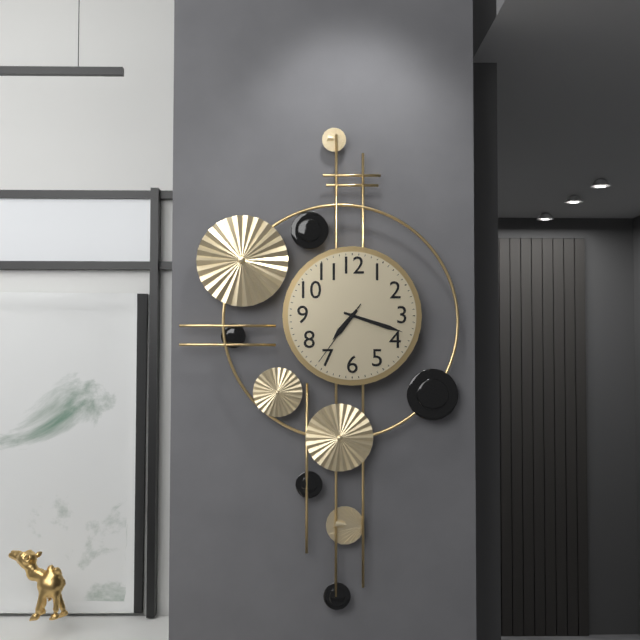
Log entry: 7,18,36
